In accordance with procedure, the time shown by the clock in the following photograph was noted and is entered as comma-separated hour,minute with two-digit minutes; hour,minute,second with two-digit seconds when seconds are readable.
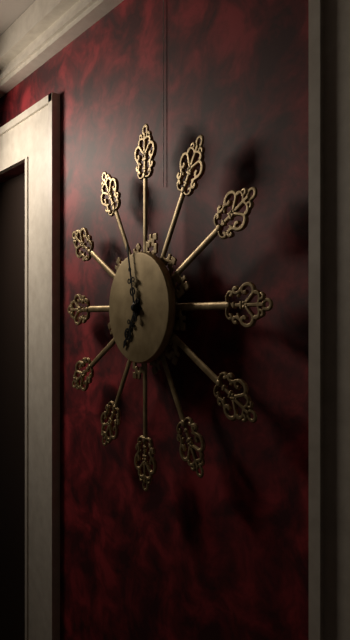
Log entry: 6,58
